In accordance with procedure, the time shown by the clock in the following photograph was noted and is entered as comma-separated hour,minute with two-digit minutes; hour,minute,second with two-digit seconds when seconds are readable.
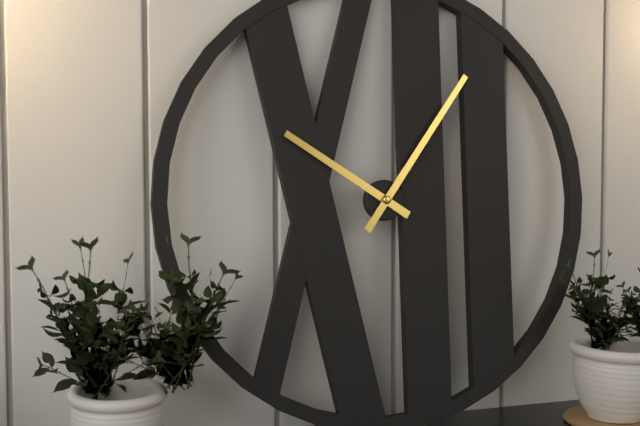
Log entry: 10,06
